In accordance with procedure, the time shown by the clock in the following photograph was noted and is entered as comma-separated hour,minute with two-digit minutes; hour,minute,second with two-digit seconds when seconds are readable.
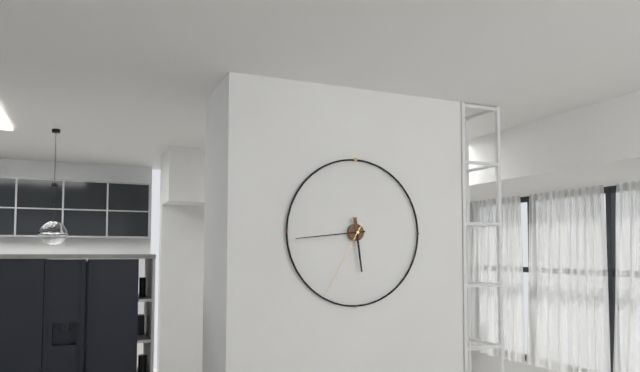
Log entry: 5,44,35
